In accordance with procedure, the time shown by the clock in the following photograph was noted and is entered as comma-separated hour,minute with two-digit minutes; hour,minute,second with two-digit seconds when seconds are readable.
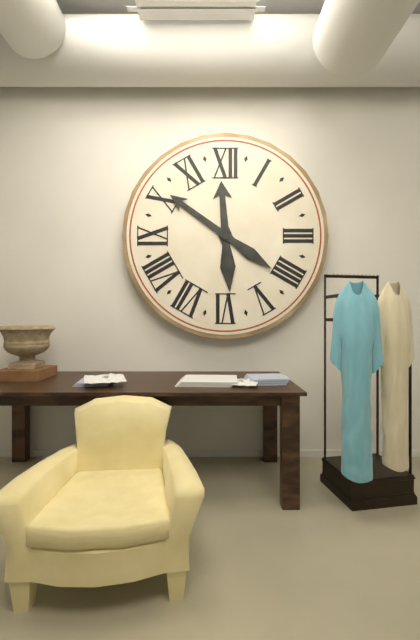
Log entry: 11,51
